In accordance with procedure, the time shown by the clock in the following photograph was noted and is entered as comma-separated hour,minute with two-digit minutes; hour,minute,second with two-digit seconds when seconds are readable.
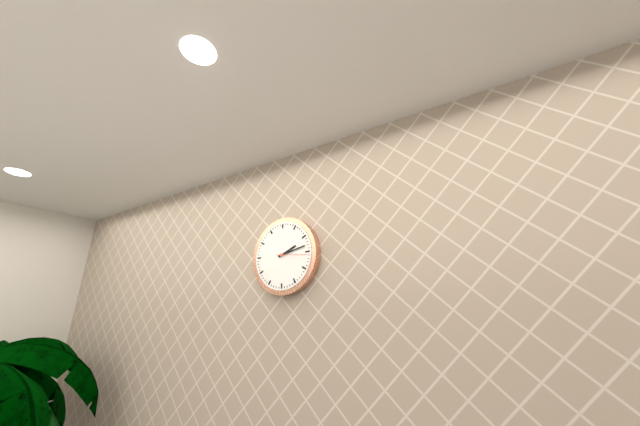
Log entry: 2,13
